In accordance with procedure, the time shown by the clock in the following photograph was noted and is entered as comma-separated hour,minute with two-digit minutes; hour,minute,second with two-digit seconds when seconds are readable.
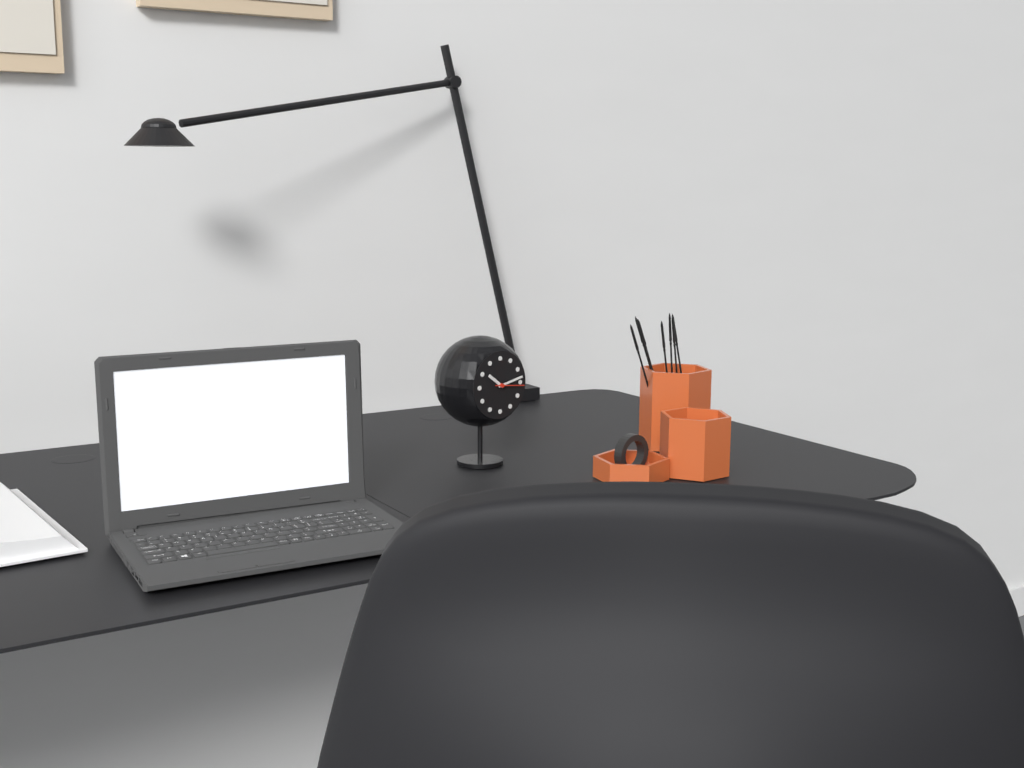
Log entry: 10,13,16
